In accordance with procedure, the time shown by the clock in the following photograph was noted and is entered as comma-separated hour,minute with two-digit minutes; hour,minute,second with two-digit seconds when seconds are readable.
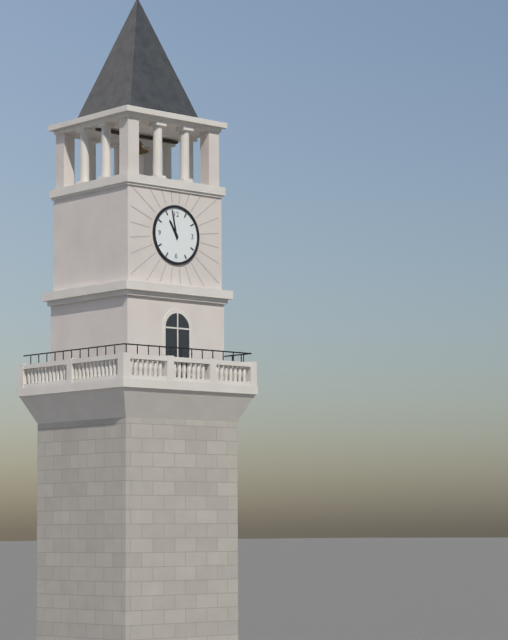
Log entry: 10,58
